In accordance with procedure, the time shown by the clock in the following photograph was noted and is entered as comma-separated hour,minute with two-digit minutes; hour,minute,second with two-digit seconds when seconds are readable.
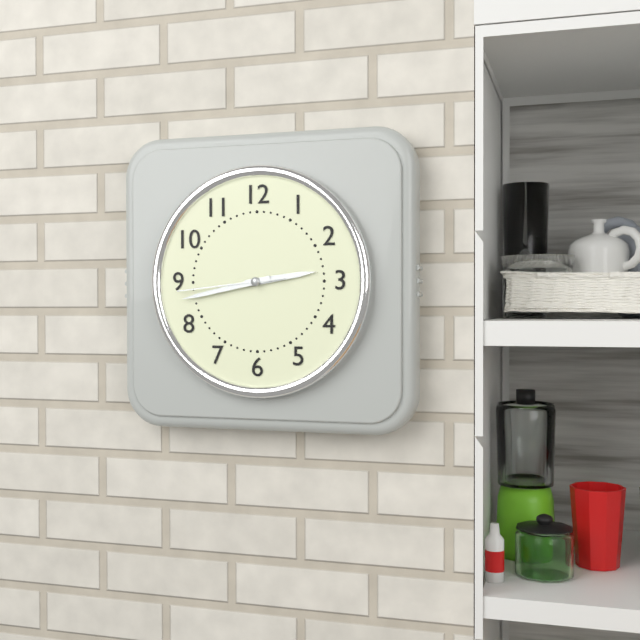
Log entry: 2,43,44
